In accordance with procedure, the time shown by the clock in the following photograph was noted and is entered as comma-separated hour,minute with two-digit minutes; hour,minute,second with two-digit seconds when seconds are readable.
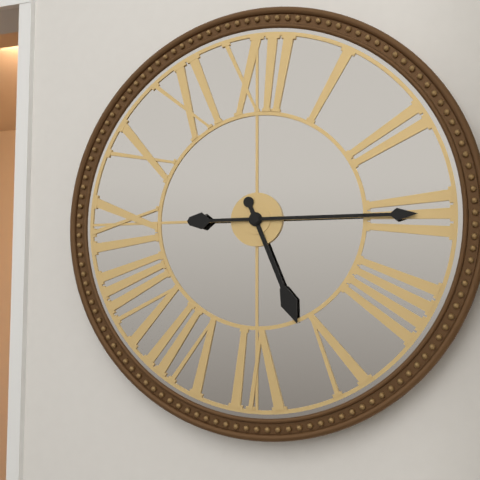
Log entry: 5,15
